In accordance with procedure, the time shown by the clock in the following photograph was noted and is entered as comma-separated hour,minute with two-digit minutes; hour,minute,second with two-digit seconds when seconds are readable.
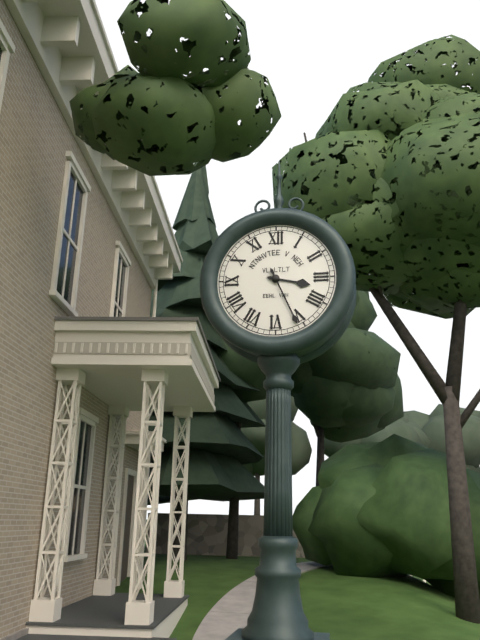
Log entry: 3,26
